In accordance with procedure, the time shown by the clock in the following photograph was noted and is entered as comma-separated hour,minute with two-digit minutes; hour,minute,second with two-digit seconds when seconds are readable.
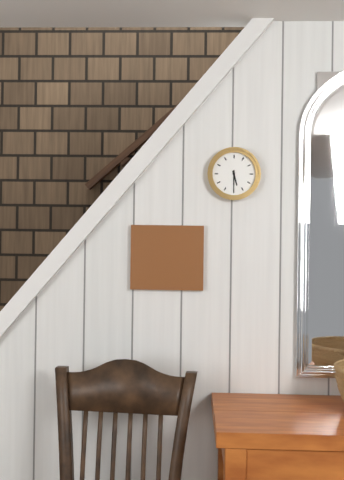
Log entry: 5,30
